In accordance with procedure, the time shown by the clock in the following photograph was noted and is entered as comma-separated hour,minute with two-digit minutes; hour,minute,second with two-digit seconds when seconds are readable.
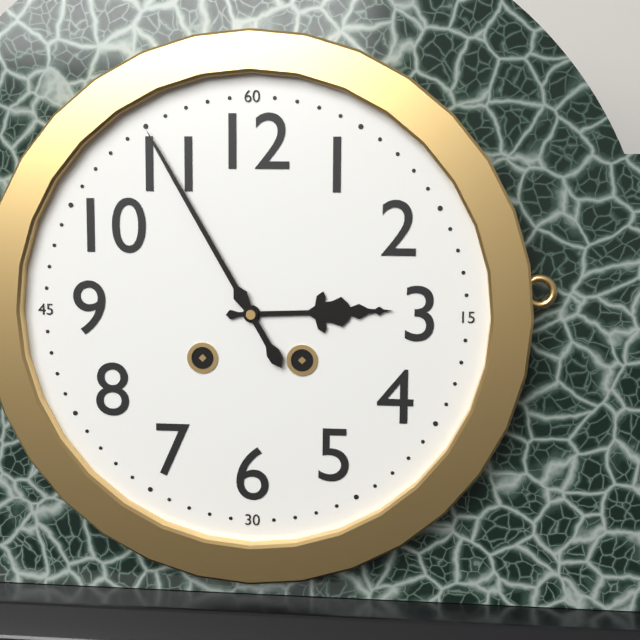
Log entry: 2,55
